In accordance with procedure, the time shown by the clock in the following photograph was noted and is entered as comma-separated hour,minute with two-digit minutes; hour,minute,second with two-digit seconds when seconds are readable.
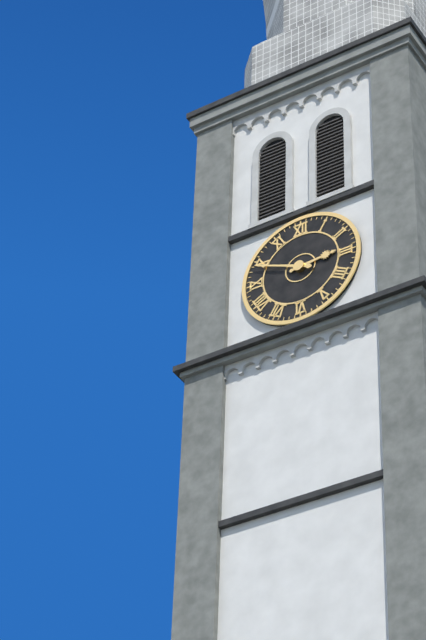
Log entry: 2,49
